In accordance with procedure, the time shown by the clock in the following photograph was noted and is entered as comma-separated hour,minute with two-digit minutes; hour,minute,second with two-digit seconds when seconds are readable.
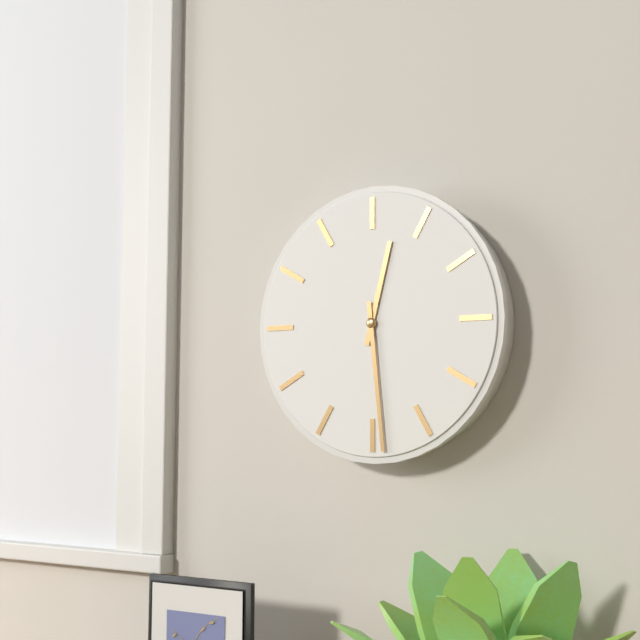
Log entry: 12,29
